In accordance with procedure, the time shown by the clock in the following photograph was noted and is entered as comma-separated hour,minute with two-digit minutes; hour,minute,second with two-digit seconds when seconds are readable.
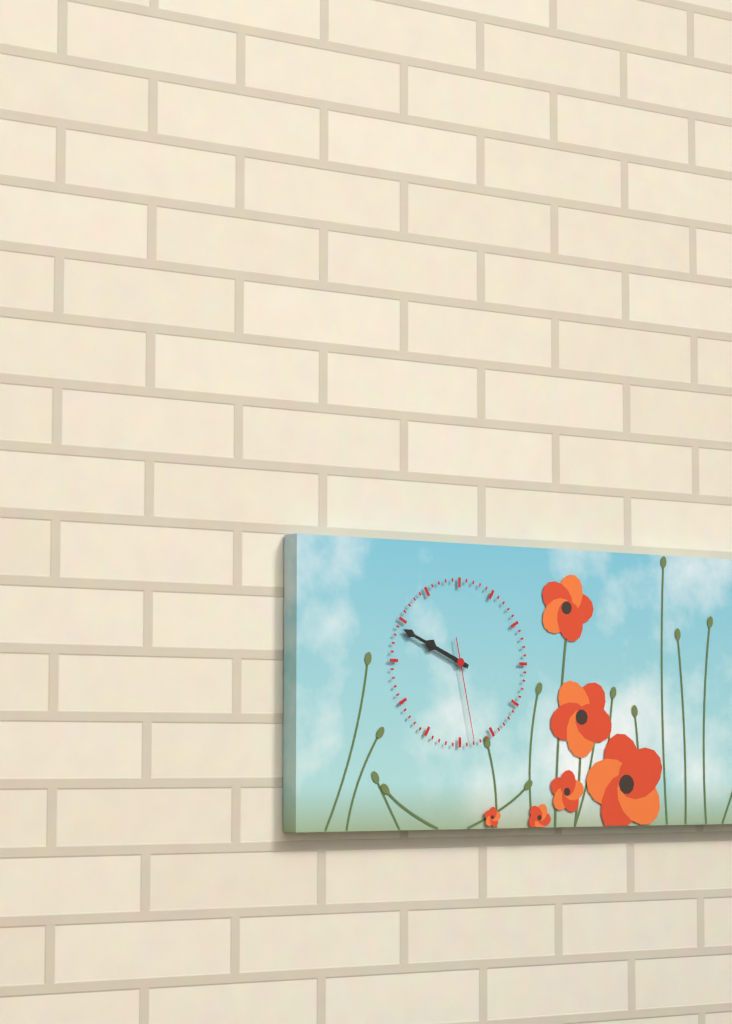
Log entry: 9,49,28
